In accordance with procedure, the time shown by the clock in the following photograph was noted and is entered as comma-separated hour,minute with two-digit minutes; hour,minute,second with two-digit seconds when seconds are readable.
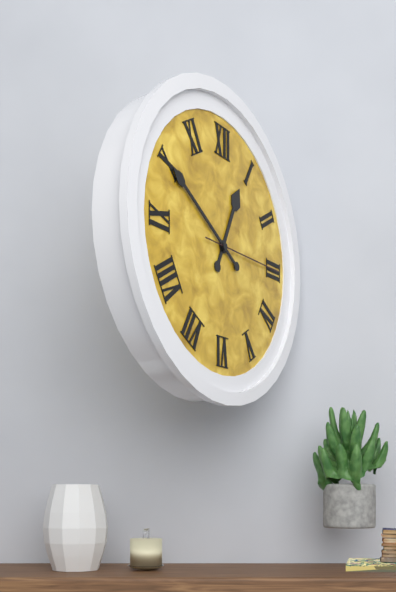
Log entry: 12,50,15
